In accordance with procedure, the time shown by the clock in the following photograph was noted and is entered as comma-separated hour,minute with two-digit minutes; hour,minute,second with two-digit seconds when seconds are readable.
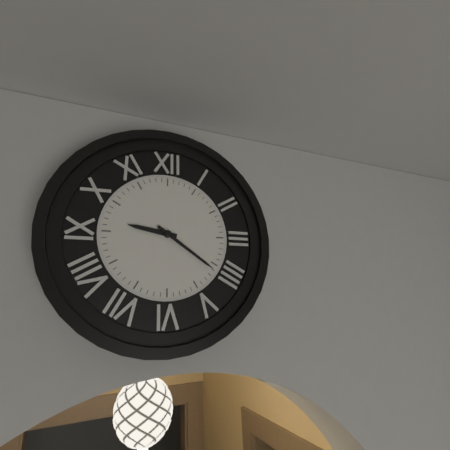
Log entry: 9,21
